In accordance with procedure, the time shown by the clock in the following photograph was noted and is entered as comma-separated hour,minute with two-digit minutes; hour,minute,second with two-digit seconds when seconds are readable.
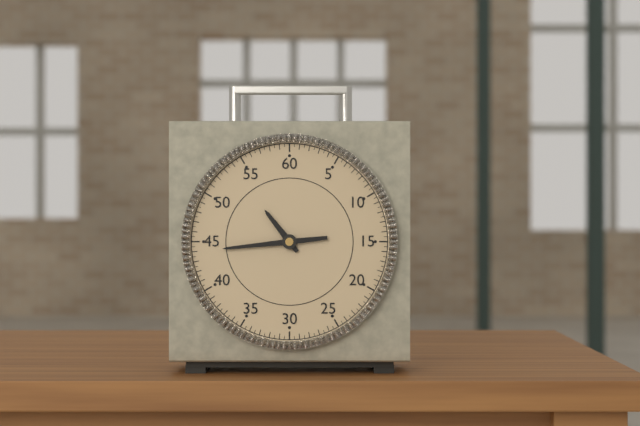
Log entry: 10,44
